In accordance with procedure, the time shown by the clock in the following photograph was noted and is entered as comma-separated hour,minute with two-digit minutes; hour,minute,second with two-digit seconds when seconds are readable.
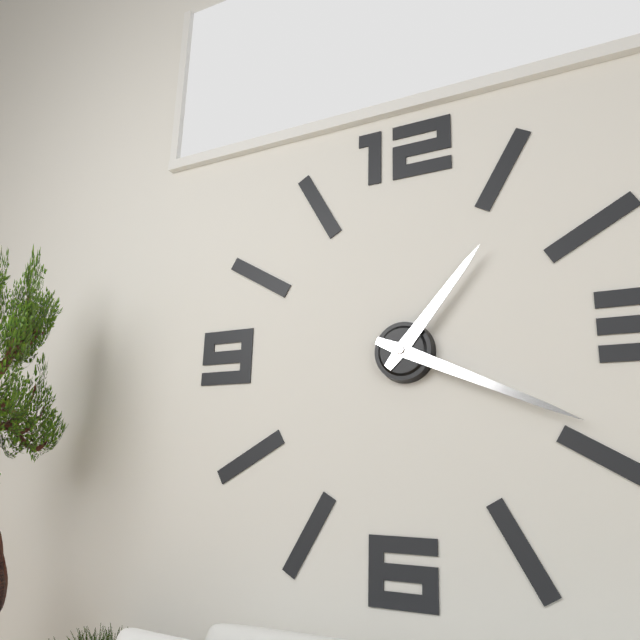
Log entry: 1,19
